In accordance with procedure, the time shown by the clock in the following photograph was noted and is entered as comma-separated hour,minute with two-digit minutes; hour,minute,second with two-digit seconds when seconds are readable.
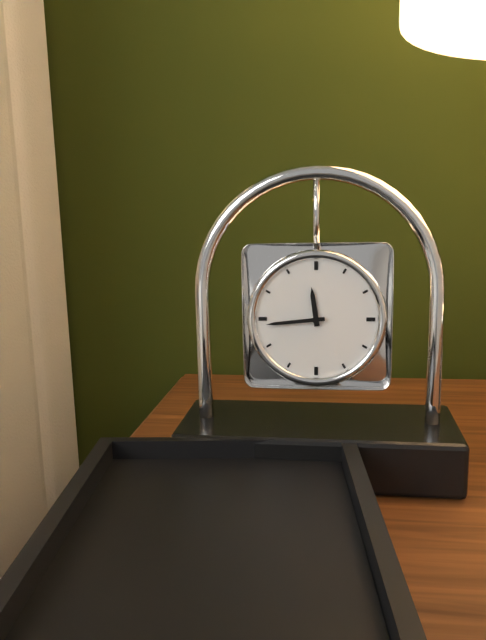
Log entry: 11,44
